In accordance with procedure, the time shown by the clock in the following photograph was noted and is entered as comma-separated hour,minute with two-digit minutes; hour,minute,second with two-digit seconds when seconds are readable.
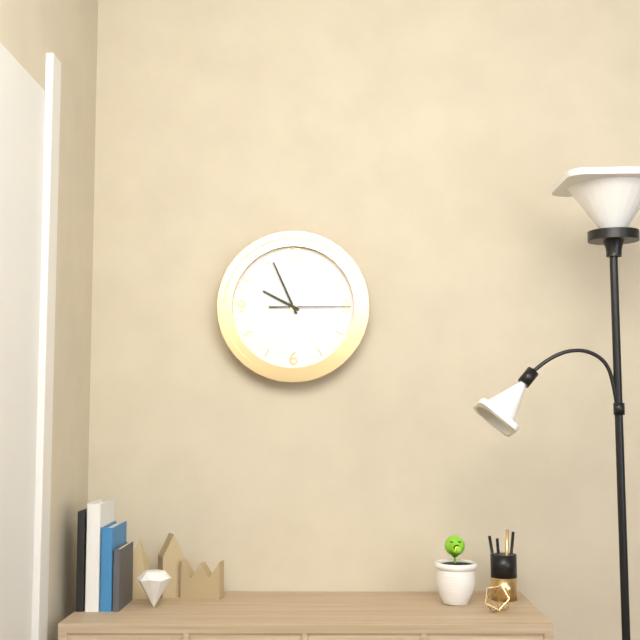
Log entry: 9,56,15
